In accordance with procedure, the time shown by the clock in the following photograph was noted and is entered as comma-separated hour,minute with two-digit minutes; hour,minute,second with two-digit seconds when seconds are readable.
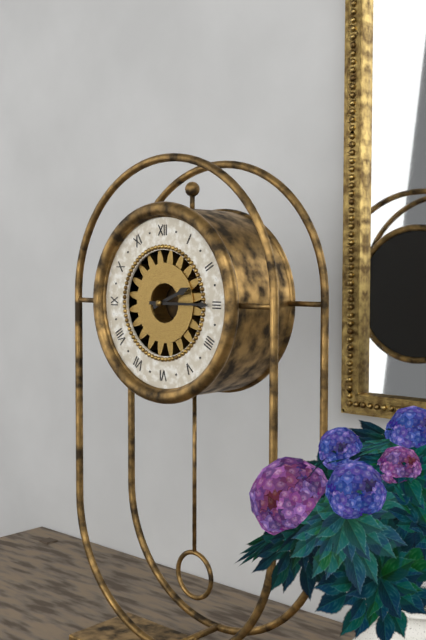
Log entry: 2,15
